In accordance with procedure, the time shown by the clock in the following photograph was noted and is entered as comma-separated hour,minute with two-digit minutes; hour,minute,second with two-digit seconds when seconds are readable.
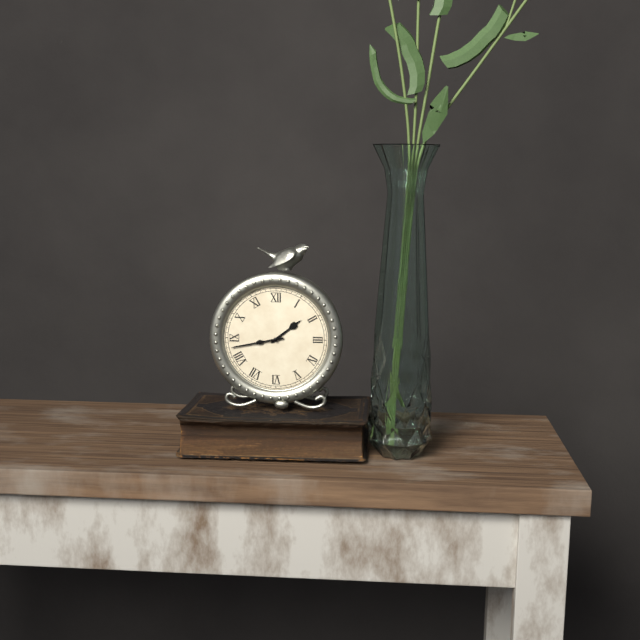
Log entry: 1,43
